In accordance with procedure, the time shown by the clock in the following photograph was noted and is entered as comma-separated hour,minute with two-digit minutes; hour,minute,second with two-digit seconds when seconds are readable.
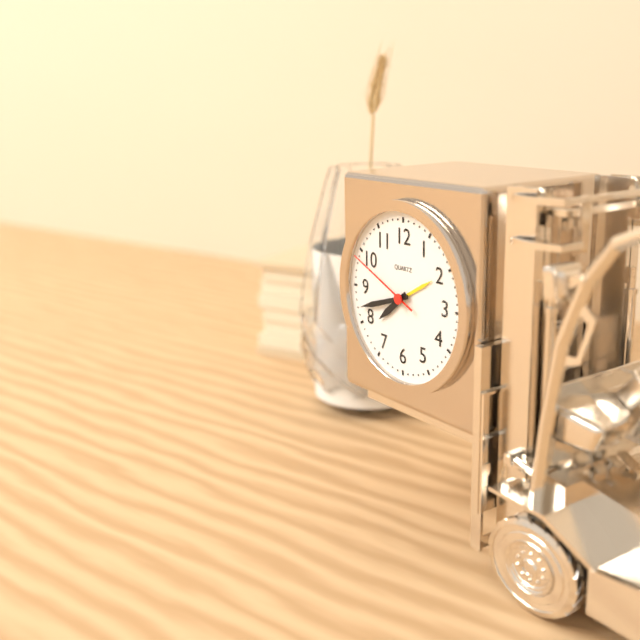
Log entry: 7,42,49
